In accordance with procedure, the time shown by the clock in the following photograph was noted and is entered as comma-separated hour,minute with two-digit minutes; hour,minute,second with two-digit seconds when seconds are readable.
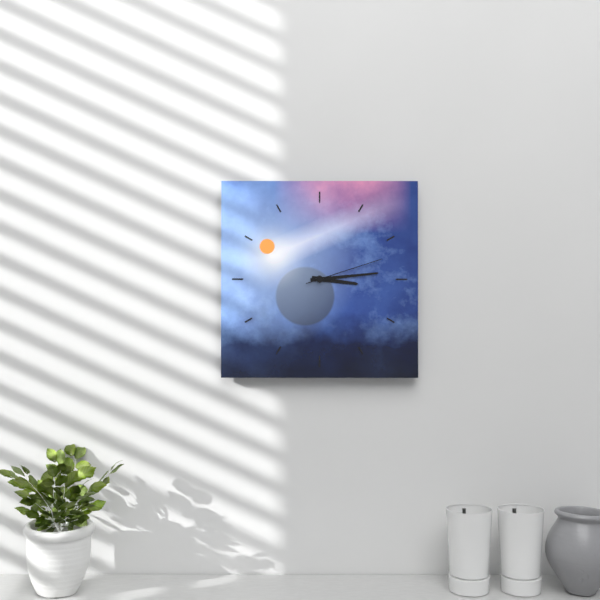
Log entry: 3,14,12
